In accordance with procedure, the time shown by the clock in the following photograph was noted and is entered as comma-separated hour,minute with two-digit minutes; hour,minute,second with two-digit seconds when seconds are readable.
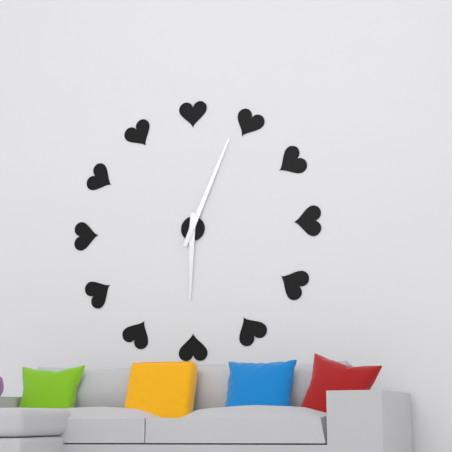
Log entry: 6,04
